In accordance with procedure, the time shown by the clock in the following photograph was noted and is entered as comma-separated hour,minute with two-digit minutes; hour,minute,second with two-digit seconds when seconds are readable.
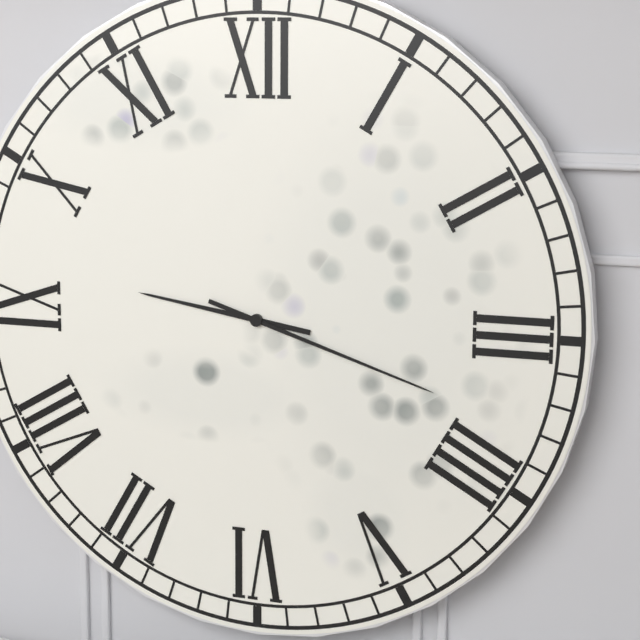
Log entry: 9,18
